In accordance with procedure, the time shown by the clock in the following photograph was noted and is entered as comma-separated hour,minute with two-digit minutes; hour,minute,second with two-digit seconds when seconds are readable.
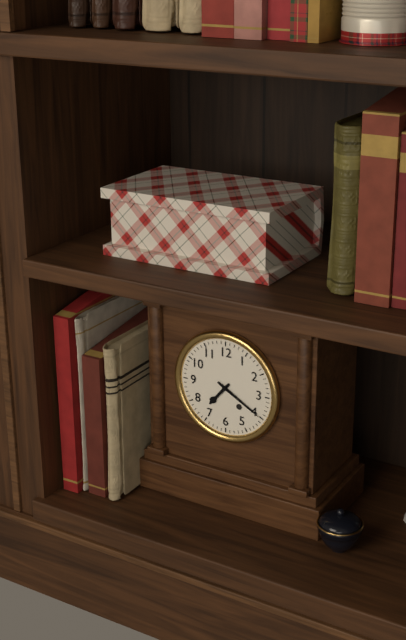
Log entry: 7,20
